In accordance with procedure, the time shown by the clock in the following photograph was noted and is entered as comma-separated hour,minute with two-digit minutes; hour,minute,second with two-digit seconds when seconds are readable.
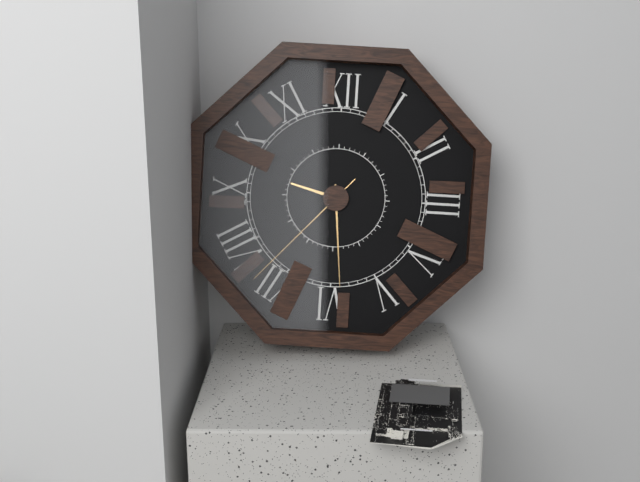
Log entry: 9,29,37
